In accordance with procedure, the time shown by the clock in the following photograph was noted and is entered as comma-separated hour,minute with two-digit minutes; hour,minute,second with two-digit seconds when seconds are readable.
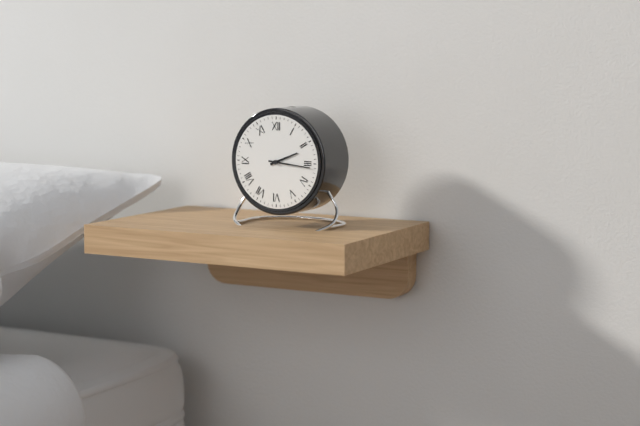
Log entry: 2,16
